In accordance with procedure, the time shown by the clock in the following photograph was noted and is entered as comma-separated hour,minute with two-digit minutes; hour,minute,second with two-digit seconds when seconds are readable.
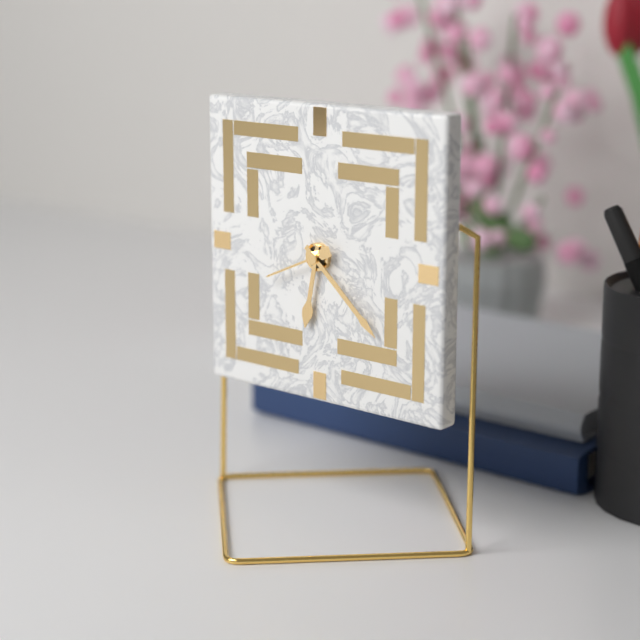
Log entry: 6,22,41
